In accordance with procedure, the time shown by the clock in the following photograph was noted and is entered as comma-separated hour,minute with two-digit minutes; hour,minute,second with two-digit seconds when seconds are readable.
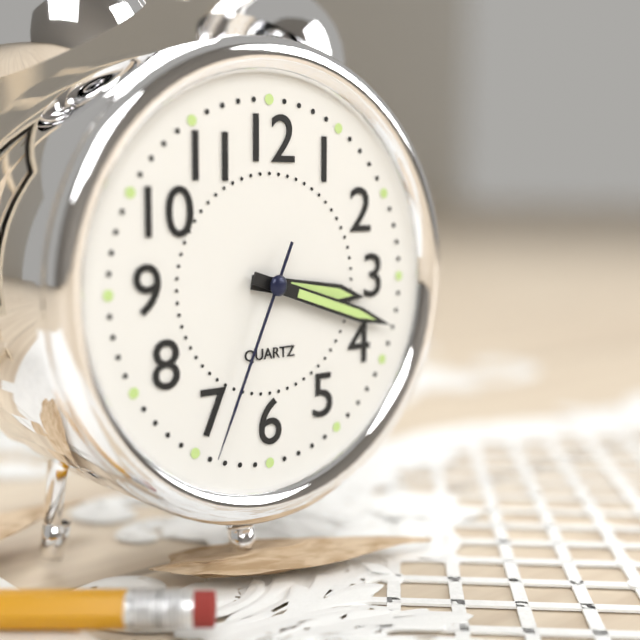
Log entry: 3,18,34
